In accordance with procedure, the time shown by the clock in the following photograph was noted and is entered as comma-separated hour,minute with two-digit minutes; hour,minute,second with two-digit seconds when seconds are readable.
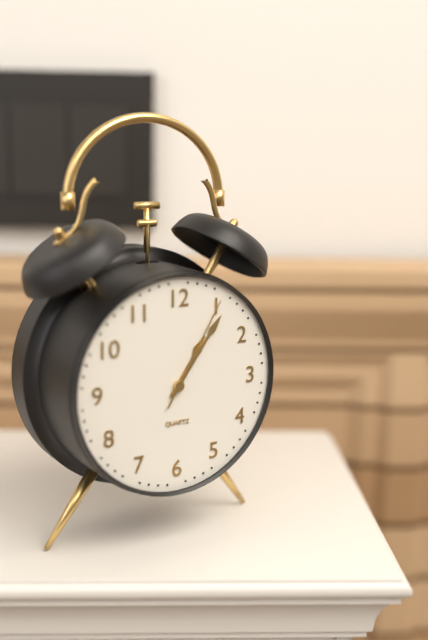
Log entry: 1,06,05
